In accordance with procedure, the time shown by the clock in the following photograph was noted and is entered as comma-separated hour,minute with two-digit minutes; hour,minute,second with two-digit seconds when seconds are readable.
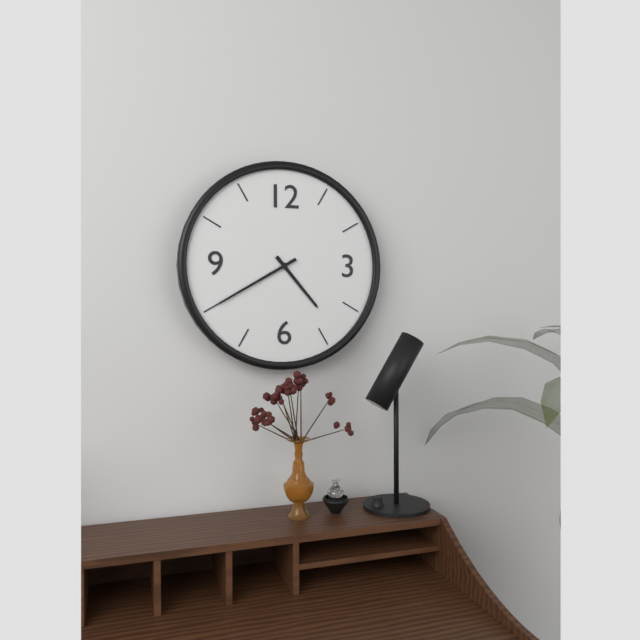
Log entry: 4,40
